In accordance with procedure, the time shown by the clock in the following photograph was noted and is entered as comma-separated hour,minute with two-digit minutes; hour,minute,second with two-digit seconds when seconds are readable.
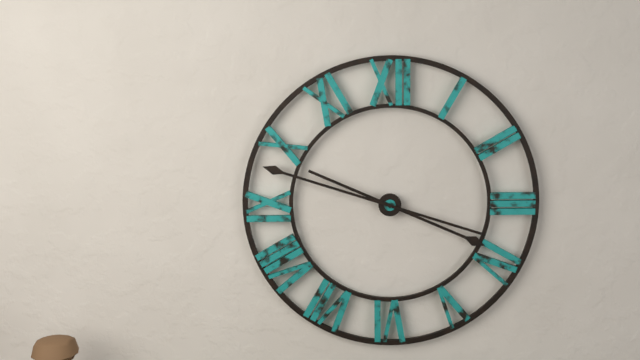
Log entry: 3,48
